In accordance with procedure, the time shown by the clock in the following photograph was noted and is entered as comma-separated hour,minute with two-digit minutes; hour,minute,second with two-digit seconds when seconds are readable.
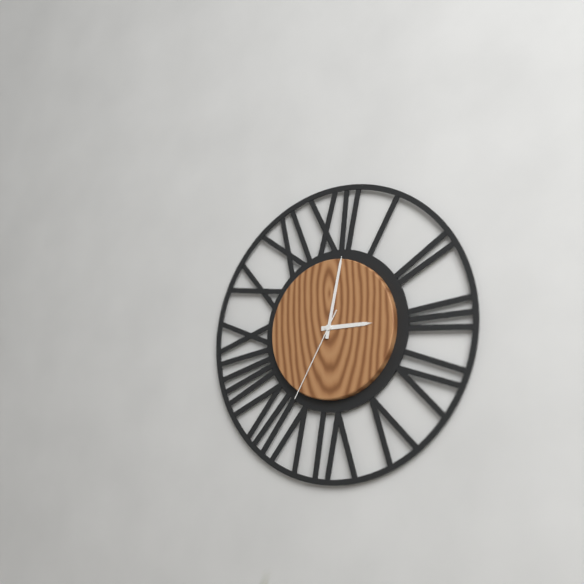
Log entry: 3,02,35
